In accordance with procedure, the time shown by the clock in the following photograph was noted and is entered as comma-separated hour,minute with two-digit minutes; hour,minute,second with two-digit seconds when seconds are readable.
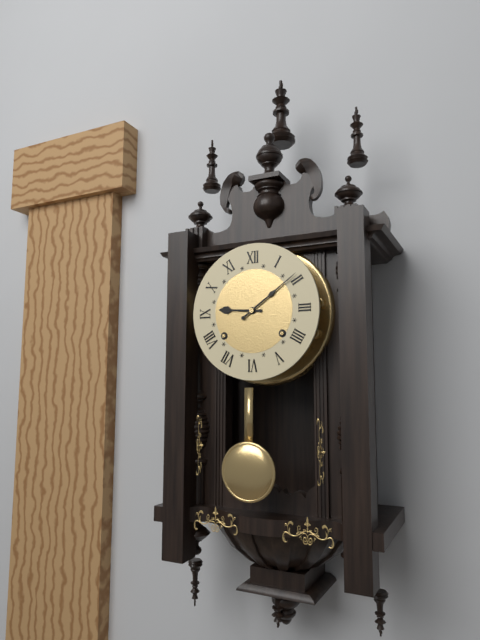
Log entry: 9,09
